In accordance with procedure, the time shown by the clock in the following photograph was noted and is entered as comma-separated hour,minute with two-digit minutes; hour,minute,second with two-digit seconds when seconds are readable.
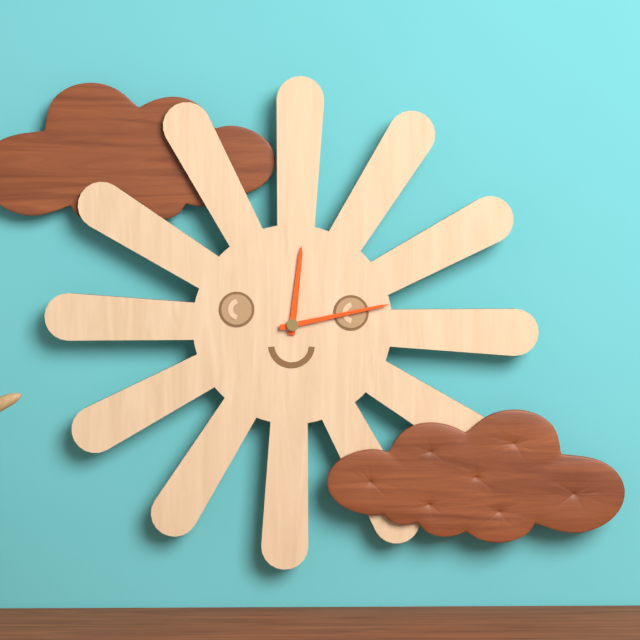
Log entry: 12,13
